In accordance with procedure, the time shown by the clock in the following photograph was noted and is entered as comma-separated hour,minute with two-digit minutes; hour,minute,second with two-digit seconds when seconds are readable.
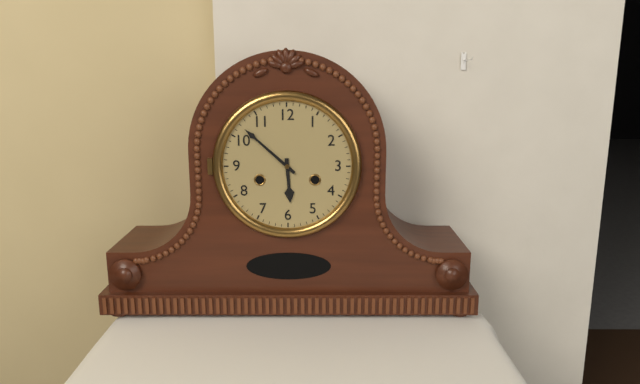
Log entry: 5,52
